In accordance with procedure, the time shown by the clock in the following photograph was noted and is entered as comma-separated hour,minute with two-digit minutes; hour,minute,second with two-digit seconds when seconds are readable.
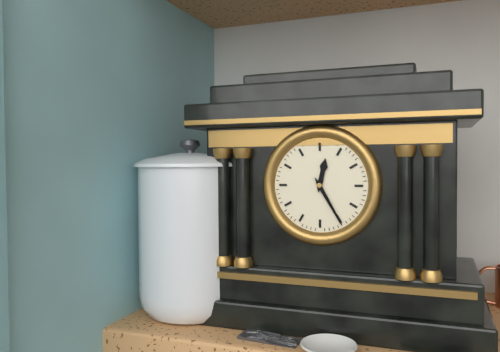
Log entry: 12,25
